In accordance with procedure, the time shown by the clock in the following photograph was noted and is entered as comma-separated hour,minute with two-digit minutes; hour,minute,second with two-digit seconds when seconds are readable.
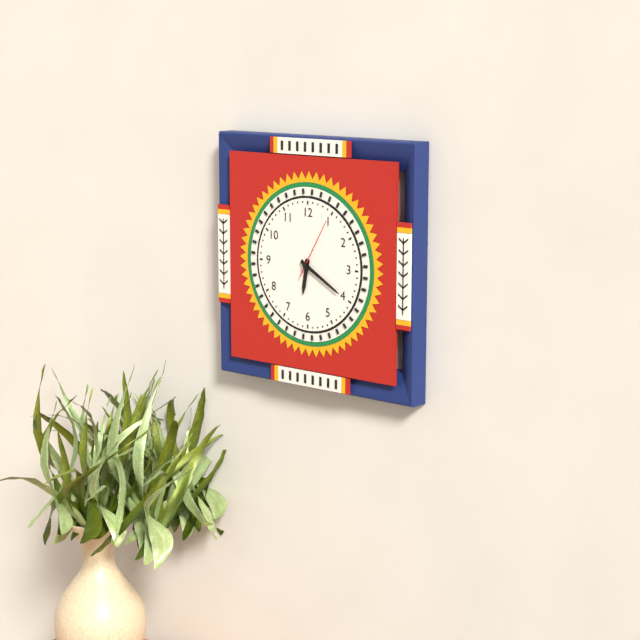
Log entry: 6,20,05
